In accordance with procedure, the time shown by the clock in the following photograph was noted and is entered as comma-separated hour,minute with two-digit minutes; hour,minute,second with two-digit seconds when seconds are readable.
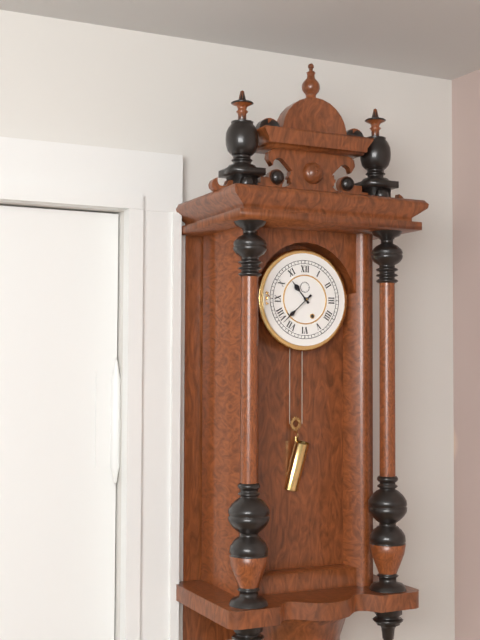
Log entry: 10,38
